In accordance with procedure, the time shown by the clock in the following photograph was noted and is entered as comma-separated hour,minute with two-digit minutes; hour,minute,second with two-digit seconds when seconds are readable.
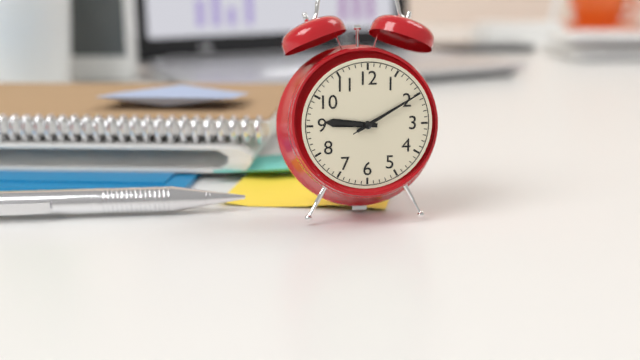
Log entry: 9,10,10
